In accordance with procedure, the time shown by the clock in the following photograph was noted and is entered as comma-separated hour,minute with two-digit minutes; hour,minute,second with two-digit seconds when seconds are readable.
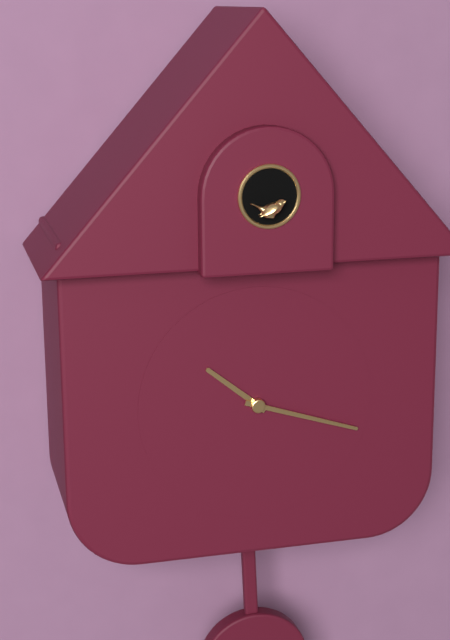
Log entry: 10,18
